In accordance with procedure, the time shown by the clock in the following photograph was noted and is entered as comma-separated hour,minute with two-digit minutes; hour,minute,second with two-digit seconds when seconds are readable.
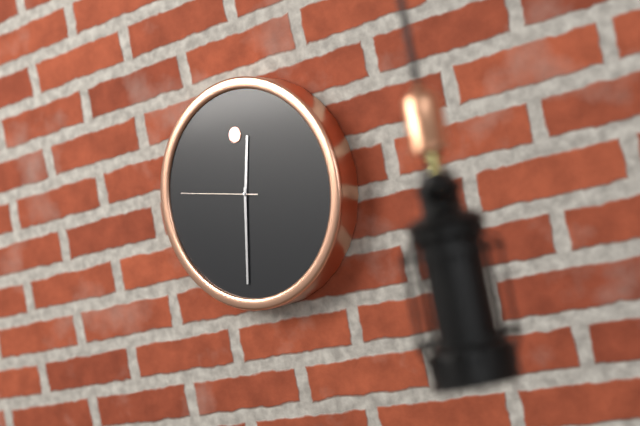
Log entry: 12,32,47
